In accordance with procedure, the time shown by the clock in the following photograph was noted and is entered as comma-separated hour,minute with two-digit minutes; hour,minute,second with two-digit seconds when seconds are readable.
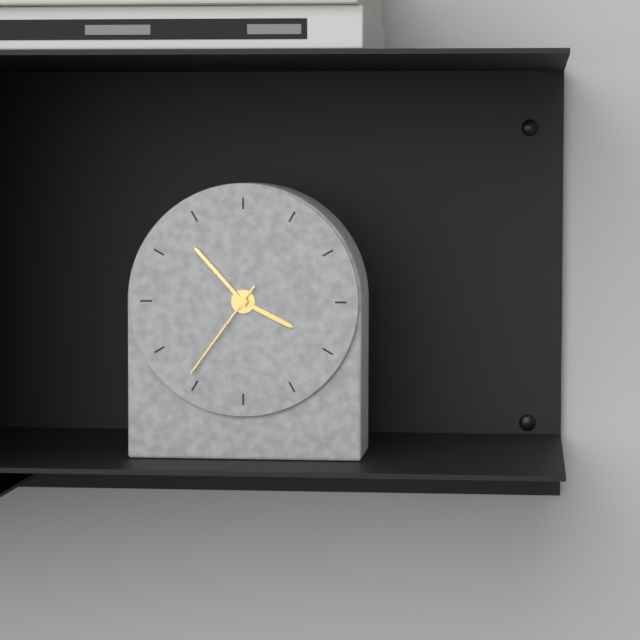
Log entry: 3,53,36
